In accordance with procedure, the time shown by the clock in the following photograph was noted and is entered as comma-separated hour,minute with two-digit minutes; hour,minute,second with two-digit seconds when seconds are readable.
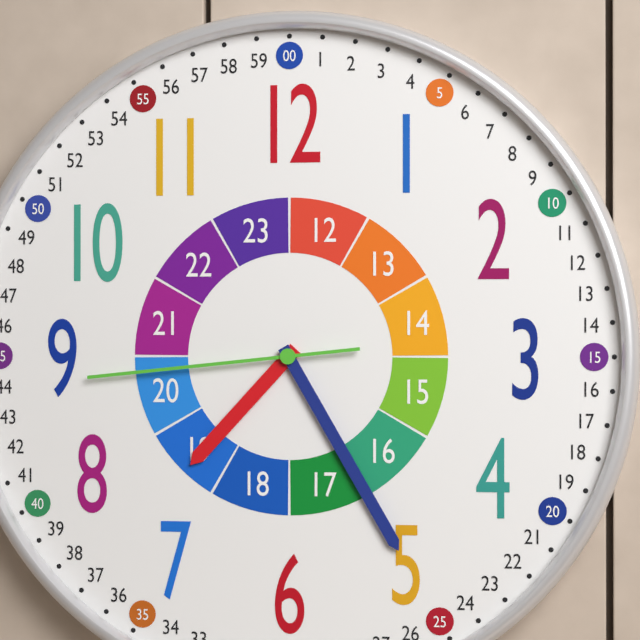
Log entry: 7,25,44
